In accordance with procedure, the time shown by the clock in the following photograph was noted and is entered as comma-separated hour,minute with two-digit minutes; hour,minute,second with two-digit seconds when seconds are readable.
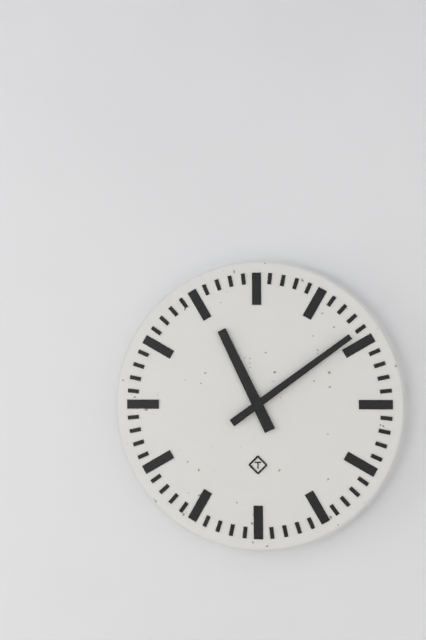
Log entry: 11,09
